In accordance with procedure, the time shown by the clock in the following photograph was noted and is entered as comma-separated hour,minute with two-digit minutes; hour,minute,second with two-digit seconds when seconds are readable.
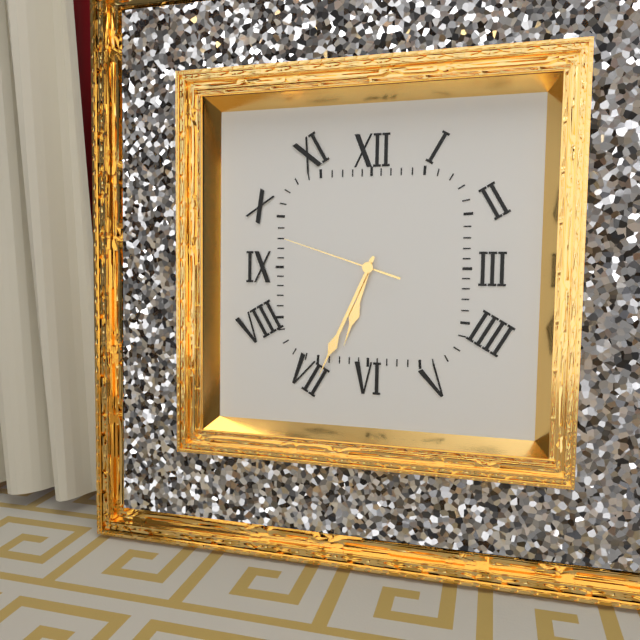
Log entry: 6,34,48
